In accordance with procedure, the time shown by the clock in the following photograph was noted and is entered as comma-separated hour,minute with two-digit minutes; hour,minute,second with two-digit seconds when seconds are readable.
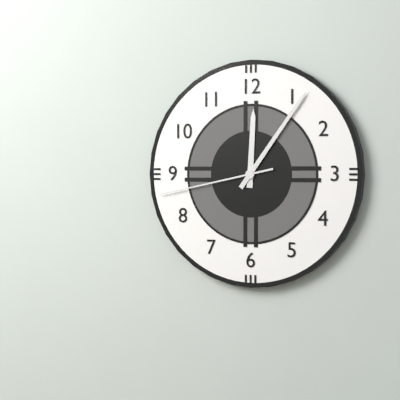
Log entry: 12,06,43
